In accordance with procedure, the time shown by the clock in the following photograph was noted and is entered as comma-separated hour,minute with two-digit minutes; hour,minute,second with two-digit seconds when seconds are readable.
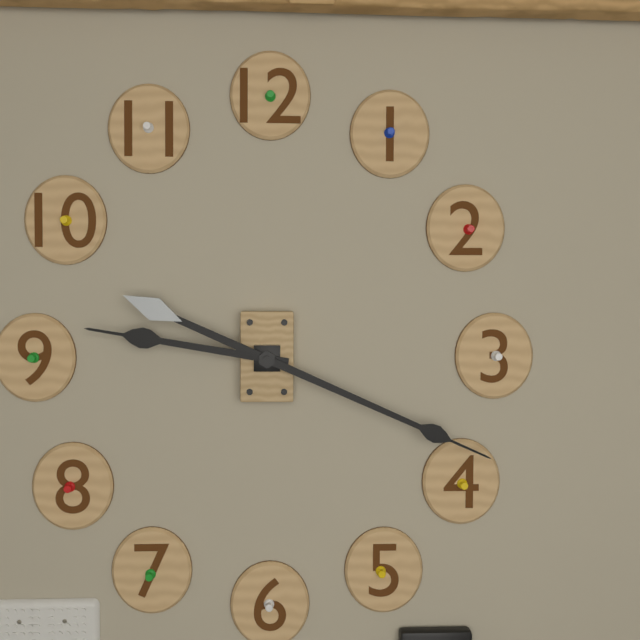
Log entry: 9,19
